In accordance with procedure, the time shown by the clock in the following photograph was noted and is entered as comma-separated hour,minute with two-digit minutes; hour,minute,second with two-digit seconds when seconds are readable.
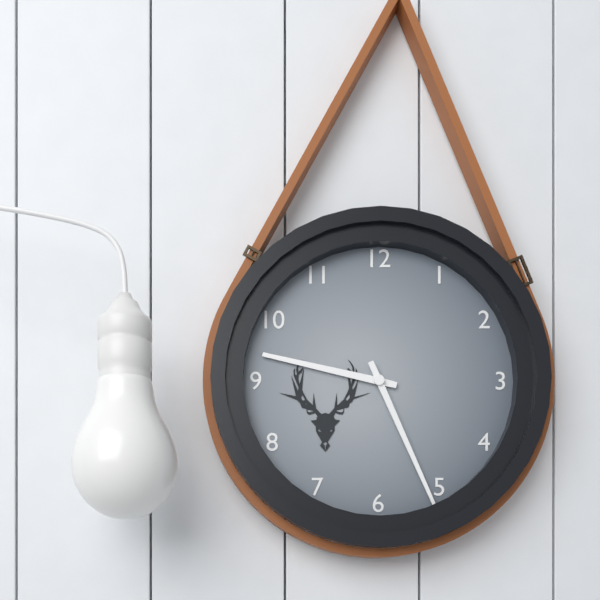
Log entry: 9,26
